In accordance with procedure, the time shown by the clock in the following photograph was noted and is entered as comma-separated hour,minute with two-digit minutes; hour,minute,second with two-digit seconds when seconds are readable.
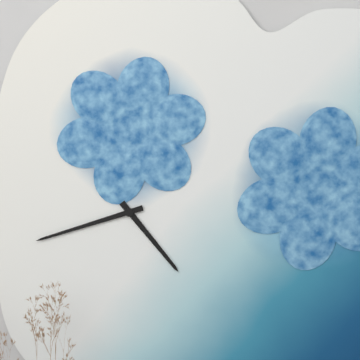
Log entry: 4,42
